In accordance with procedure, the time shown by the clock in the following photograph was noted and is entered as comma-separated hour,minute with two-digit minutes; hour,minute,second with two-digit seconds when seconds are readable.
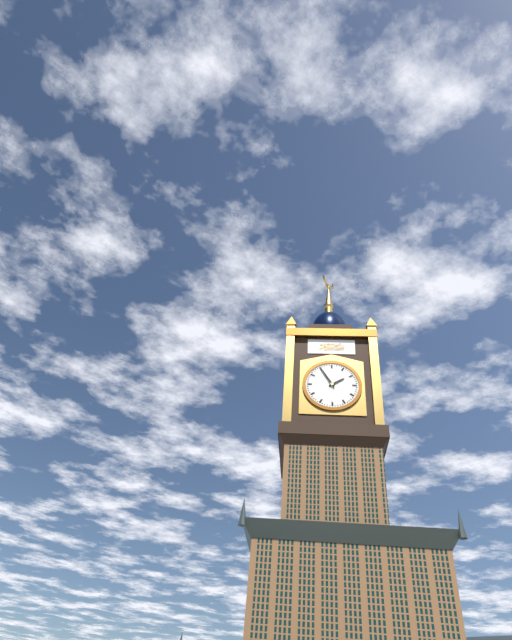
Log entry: 1,55
